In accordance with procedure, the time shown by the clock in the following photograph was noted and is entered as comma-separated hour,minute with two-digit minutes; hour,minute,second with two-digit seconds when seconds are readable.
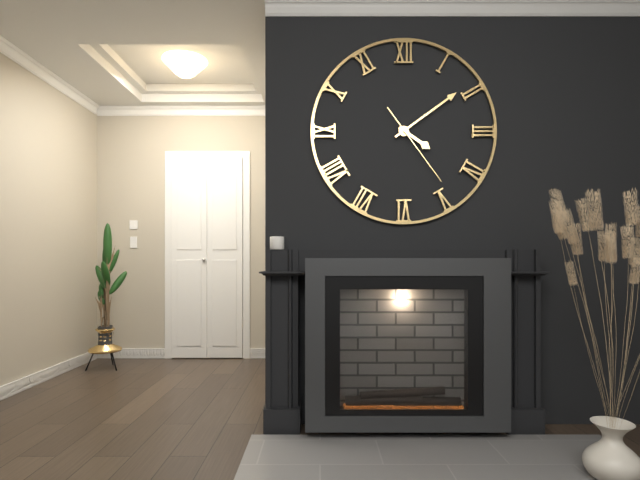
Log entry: 4,09,24
